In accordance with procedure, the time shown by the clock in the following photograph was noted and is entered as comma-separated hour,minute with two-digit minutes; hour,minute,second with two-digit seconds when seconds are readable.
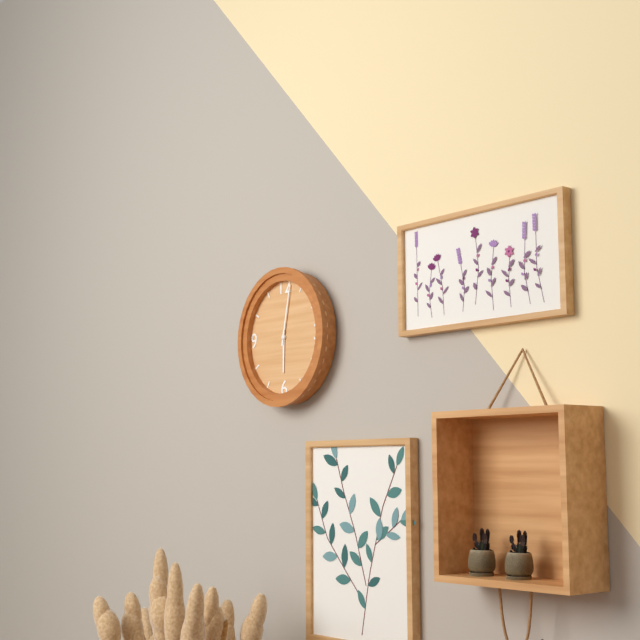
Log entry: 6,02
